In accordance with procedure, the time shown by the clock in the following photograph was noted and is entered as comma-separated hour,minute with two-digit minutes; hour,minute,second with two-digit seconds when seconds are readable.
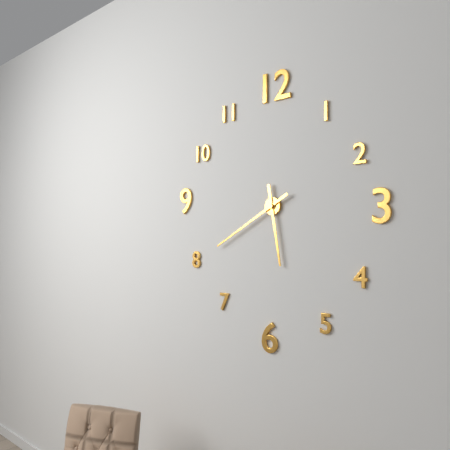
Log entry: 5,40
